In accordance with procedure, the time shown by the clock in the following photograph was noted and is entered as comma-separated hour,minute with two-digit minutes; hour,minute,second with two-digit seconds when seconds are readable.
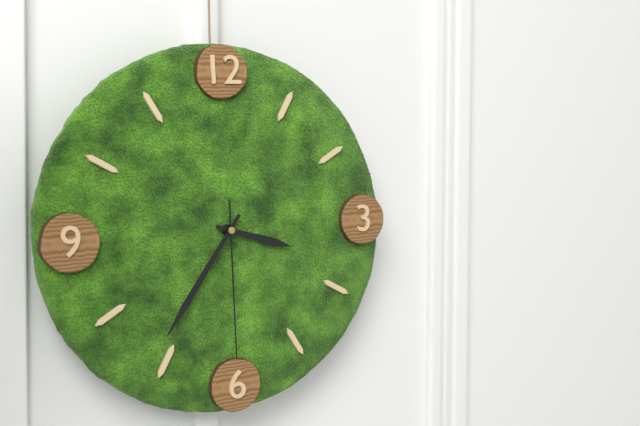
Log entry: 3,36,30
